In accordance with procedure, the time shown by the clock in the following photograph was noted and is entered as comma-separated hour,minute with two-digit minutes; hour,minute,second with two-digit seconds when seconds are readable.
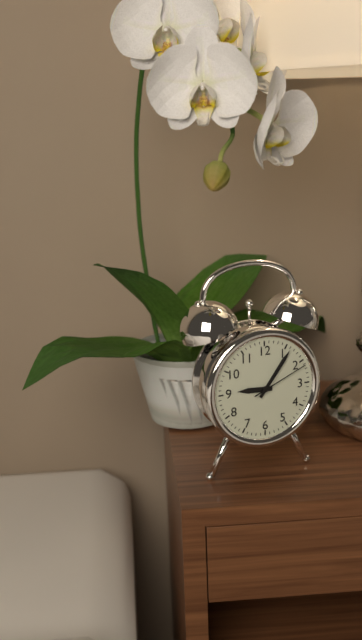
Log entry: 9,06,11
